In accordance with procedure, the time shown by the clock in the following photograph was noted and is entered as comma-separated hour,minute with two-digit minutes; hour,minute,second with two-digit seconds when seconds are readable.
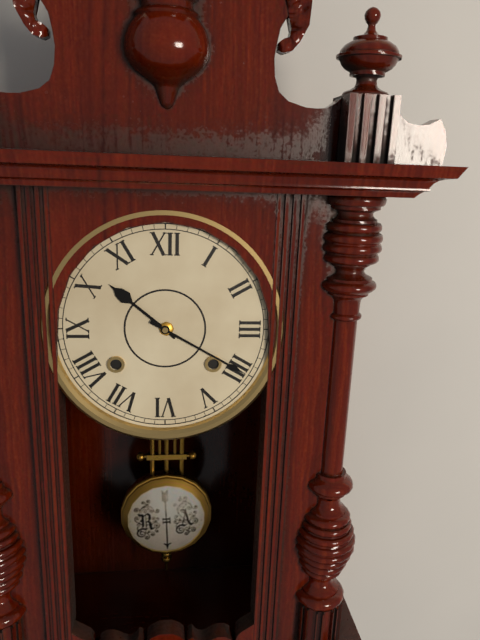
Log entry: 10,20
